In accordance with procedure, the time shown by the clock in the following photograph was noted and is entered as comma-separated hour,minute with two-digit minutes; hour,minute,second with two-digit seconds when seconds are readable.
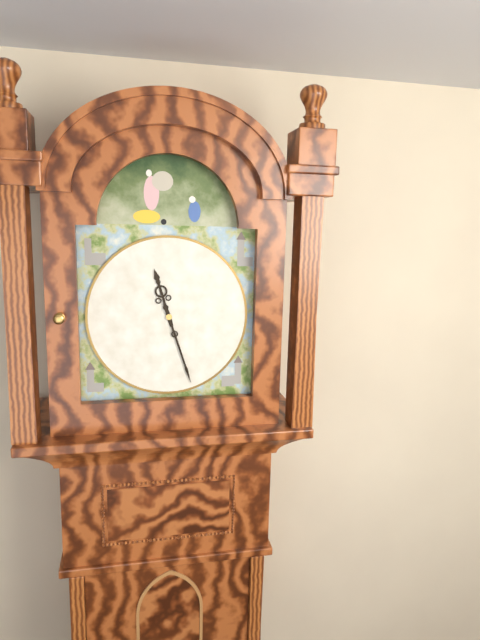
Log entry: 11,27
